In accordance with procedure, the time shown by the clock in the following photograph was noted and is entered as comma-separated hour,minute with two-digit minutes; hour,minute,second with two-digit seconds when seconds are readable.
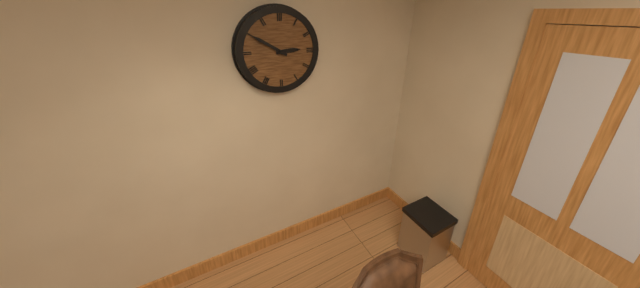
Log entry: 2,50
